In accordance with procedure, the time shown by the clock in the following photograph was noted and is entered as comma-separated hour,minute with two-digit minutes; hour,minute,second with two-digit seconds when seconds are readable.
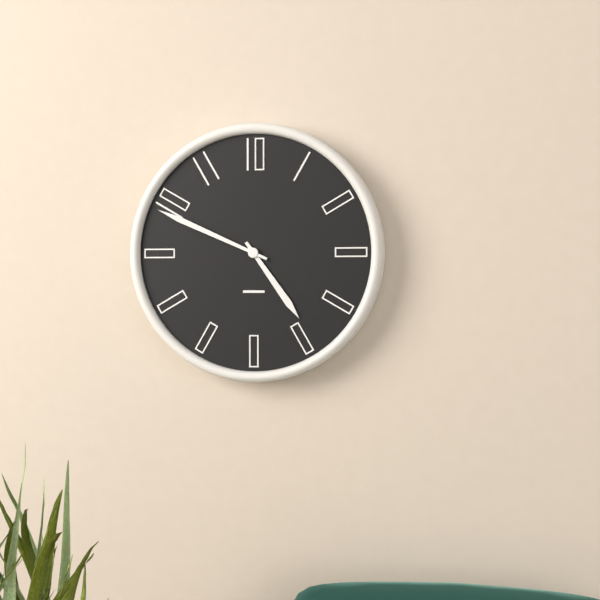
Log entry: 4,49
